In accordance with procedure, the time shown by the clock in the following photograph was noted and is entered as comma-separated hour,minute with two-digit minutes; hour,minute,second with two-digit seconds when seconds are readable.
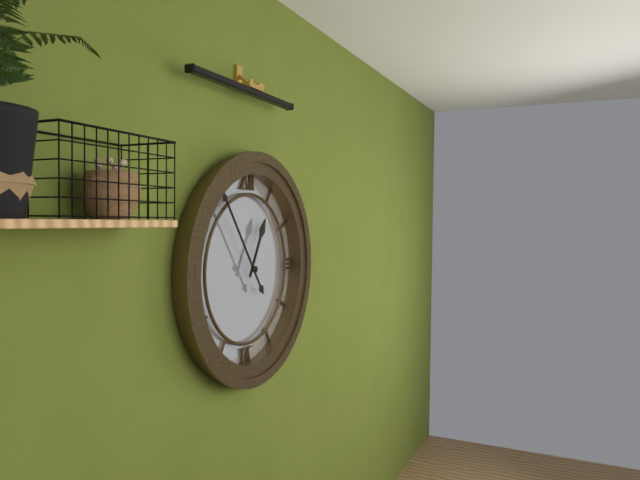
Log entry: 12,54
